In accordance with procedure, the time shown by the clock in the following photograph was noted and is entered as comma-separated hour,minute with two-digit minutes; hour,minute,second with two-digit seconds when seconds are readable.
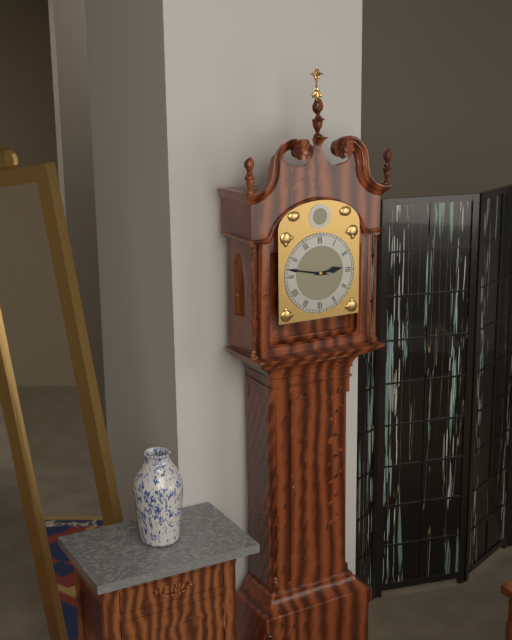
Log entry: 2,47
